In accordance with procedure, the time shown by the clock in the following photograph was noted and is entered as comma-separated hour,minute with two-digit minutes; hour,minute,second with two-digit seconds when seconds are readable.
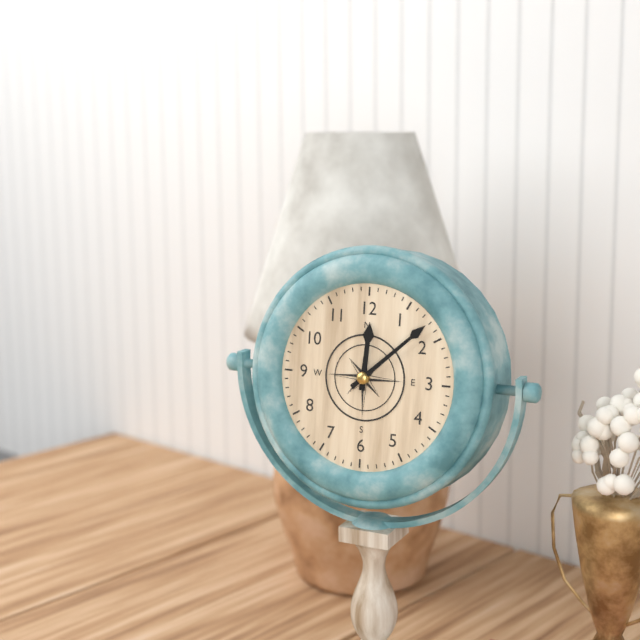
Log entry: 12,08
